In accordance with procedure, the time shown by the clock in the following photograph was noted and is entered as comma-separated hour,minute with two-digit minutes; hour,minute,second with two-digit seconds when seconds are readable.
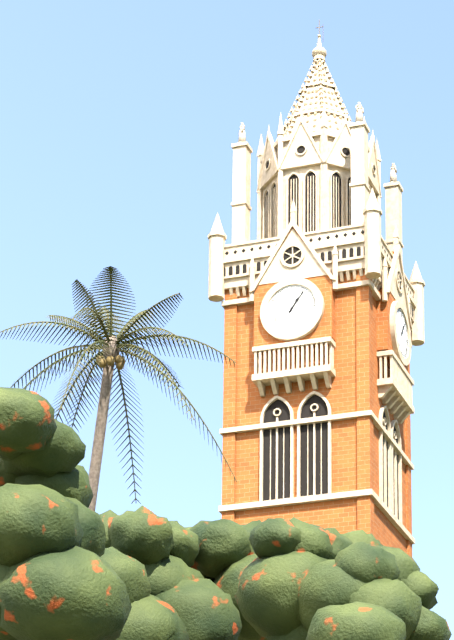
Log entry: 1,06
